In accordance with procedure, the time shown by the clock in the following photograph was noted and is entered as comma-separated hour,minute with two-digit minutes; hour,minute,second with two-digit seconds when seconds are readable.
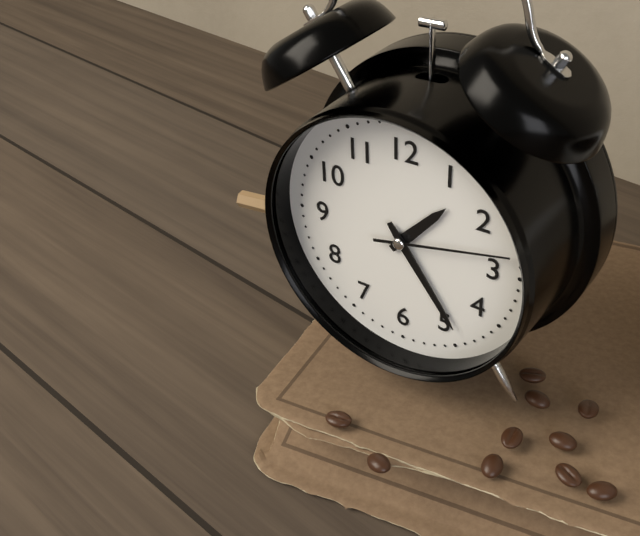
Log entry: 1,24,13
